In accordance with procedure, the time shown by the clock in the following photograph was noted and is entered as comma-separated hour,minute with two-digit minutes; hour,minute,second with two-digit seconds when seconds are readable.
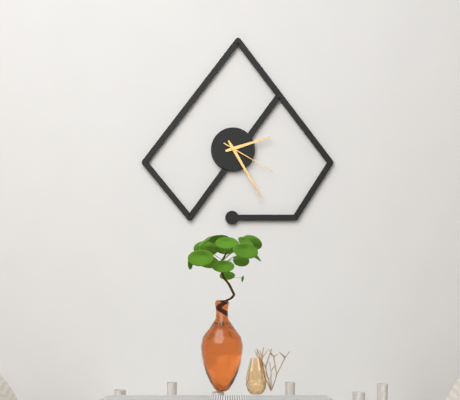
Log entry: 2,25,20
